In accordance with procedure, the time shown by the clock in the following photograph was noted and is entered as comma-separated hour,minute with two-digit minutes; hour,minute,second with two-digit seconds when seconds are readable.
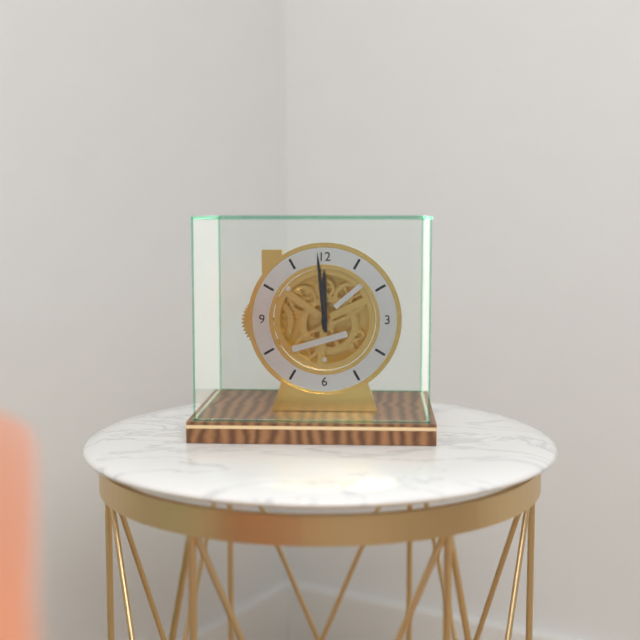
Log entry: 11,59
